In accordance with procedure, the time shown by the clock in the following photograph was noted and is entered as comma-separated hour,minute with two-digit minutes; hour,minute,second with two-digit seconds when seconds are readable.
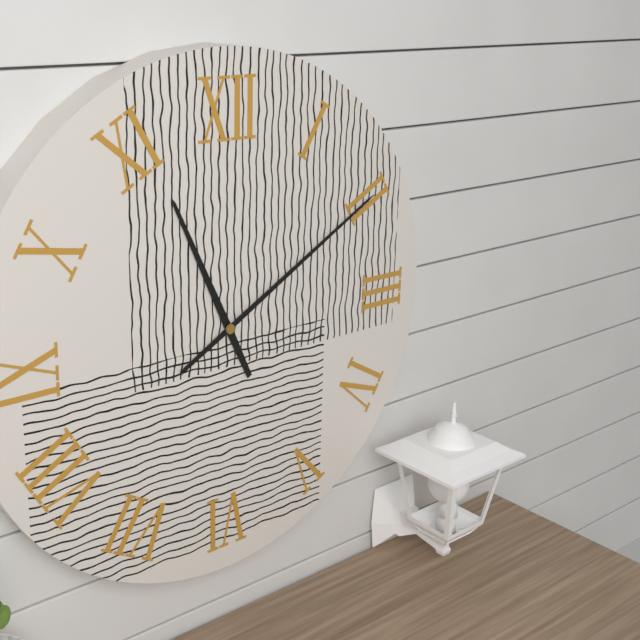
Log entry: 11,10
